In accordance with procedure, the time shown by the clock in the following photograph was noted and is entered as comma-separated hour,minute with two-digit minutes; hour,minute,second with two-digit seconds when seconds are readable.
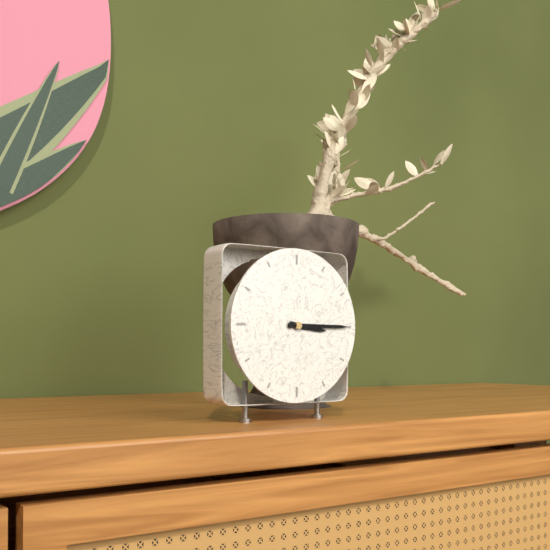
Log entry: 3,15
